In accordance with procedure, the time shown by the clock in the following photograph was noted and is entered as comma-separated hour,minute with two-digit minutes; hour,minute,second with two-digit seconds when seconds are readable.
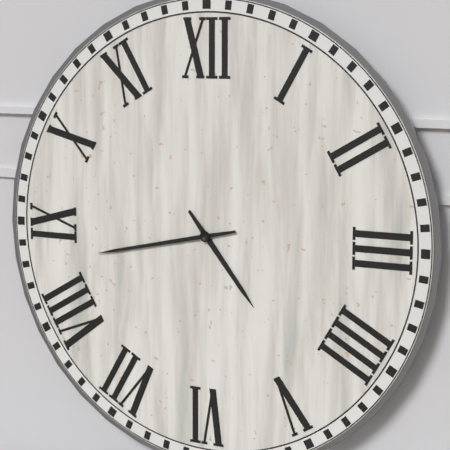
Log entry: 4,43
